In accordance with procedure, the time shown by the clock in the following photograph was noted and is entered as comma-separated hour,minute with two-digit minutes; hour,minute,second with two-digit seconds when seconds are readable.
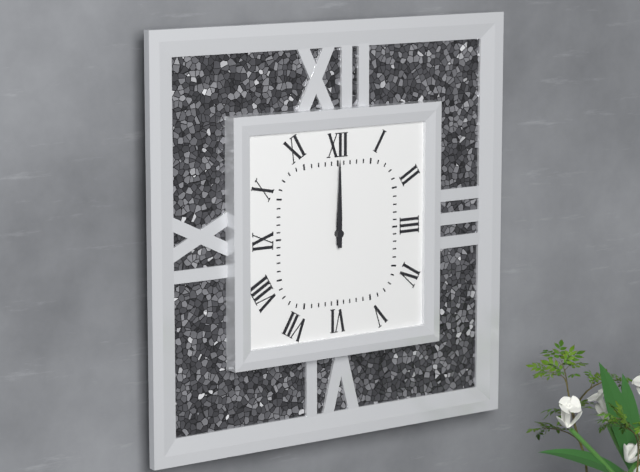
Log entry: 12,00
